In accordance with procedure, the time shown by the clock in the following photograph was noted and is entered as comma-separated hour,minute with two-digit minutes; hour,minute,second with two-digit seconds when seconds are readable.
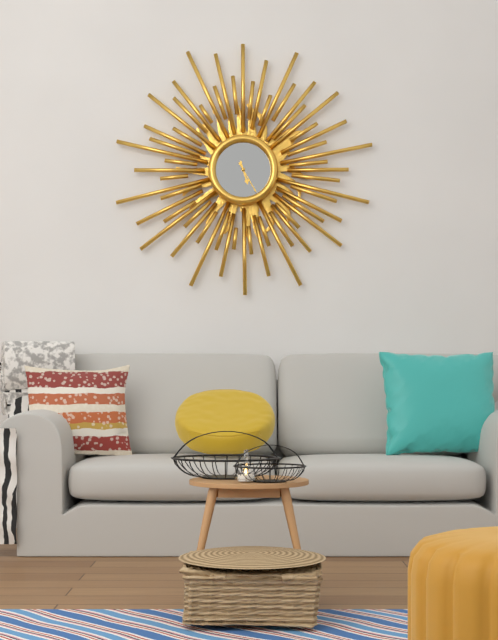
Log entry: 5,25
